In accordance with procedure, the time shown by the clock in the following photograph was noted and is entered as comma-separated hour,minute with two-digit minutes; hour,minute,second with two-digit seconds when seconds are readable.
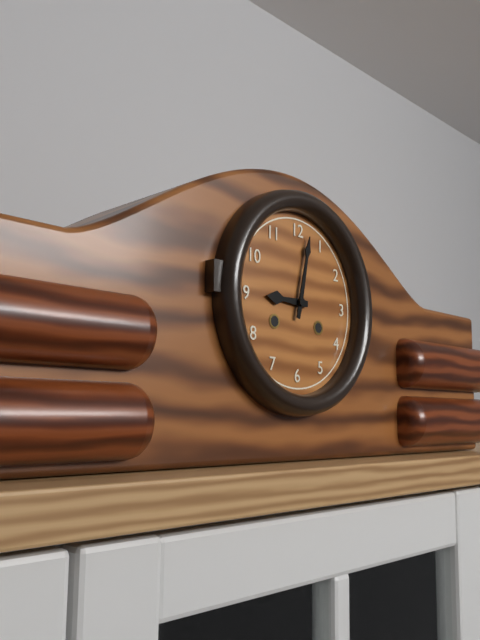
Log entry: 9,02
